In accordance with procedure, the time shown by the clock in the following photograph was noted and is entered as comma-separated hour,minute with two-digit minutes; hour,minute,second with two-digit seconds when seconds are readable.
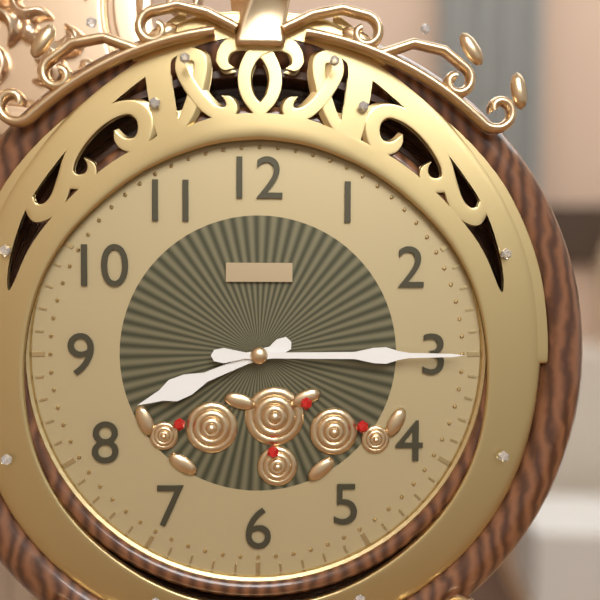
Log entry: 8,15
